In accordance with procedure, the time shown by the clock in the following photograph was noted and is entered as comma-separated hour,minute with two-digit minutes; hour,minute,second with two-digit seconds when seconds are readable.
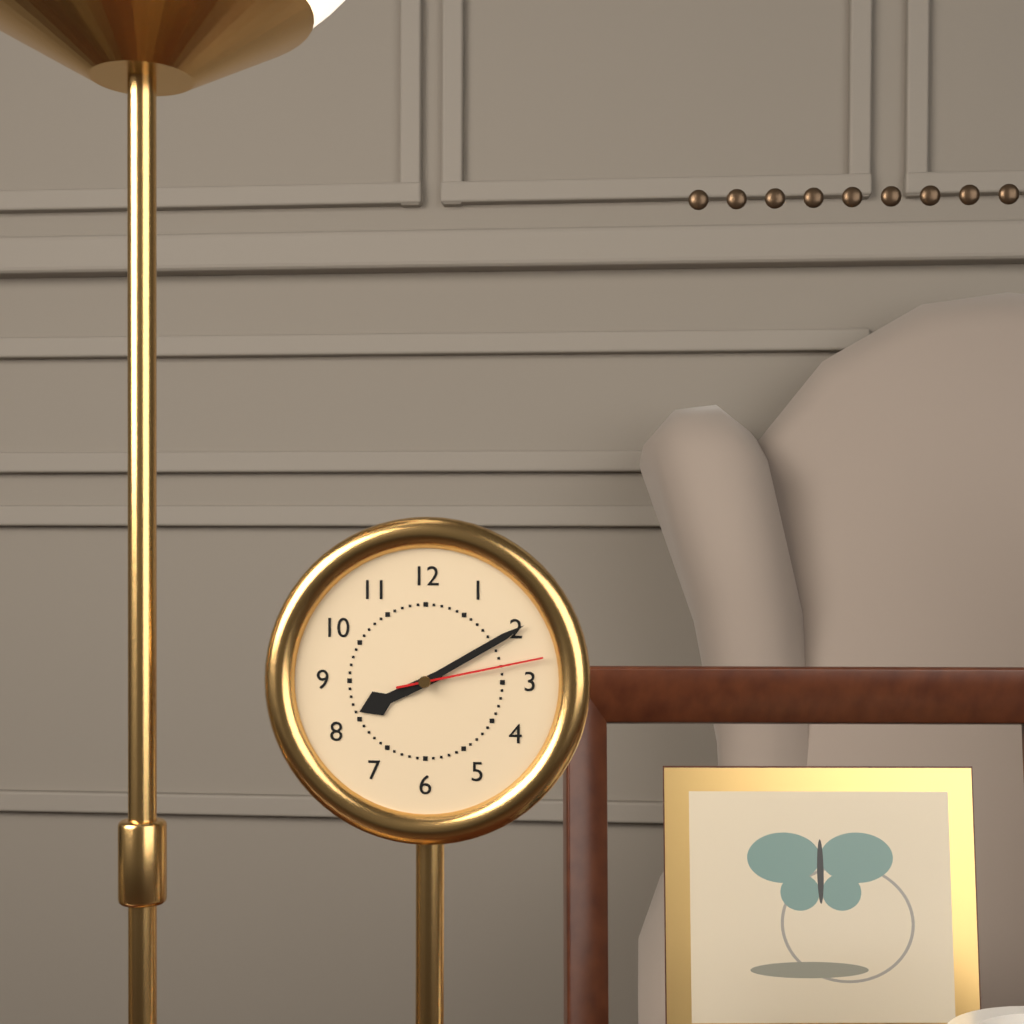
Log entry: 8,10,13
